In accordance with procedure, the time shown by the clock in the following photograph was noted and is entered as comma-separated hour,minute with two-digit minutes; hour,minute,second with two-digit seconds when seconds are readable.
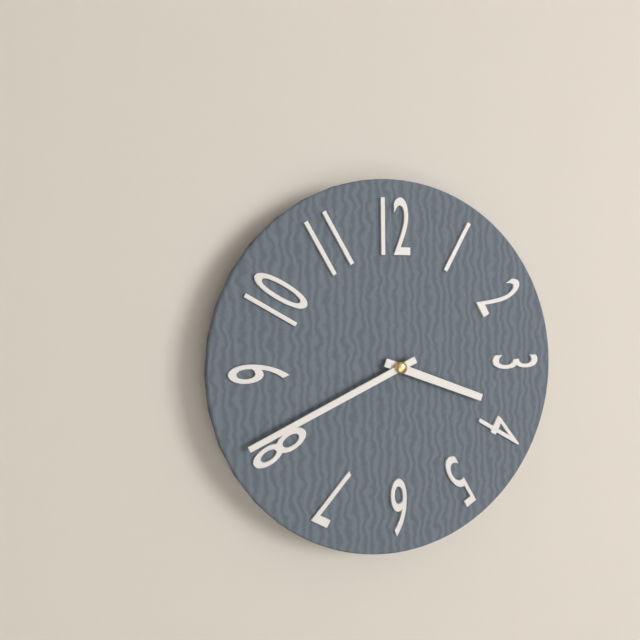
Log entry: 3,41
